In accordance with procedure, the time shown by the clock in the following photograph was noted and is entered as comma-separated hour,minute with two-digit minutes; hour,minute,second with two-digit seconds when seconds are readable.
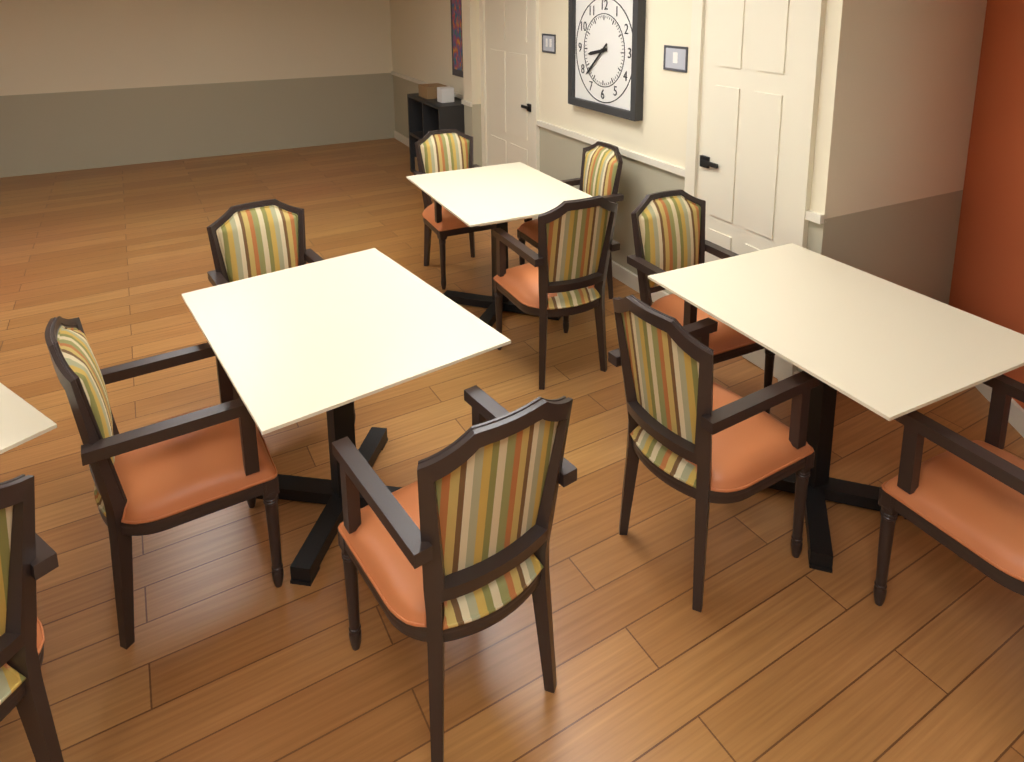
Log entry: 8,38
